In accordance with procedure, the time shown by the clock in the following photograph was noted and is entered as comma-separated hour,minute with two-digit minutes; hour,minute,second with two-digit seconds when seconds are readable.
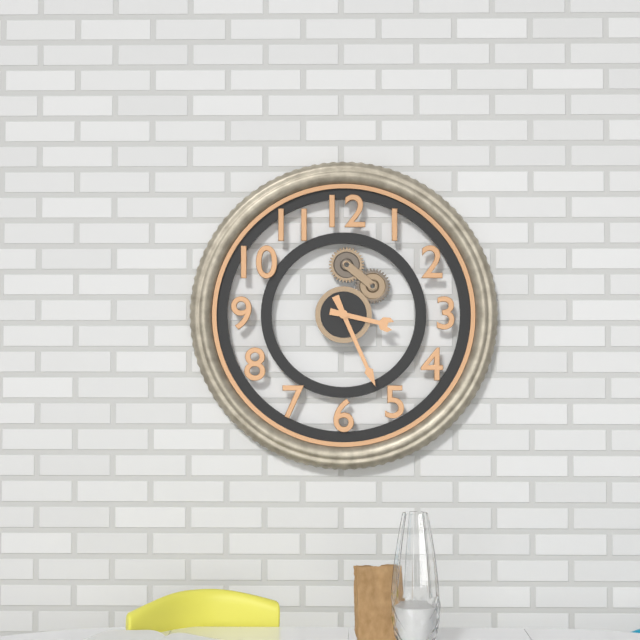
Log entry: 3,26
